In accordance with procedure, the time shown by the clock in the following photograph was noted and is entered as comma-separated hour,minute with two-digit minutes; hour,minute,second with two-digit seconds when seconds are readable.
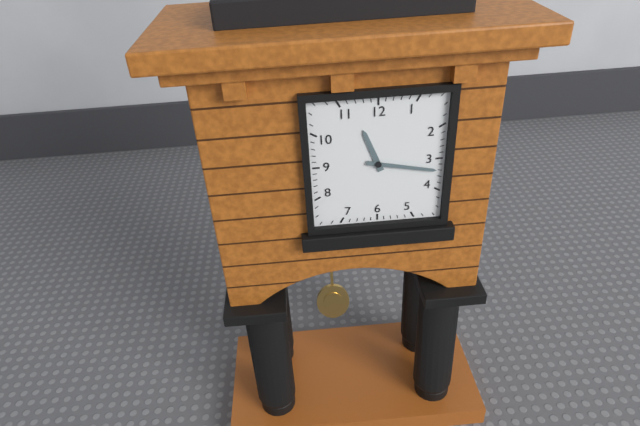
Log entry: 11,17
